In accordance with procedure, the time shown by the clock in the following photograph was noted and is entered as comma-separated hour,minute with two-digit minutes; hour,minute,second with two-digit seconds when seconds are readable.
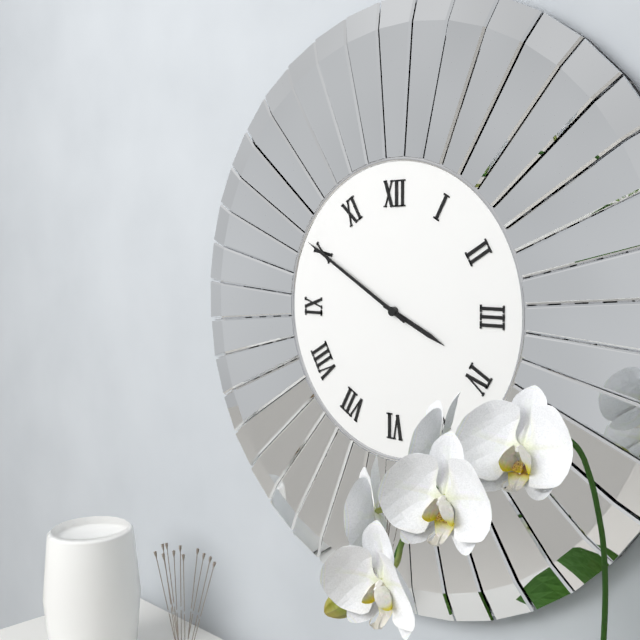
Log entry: 3,50
